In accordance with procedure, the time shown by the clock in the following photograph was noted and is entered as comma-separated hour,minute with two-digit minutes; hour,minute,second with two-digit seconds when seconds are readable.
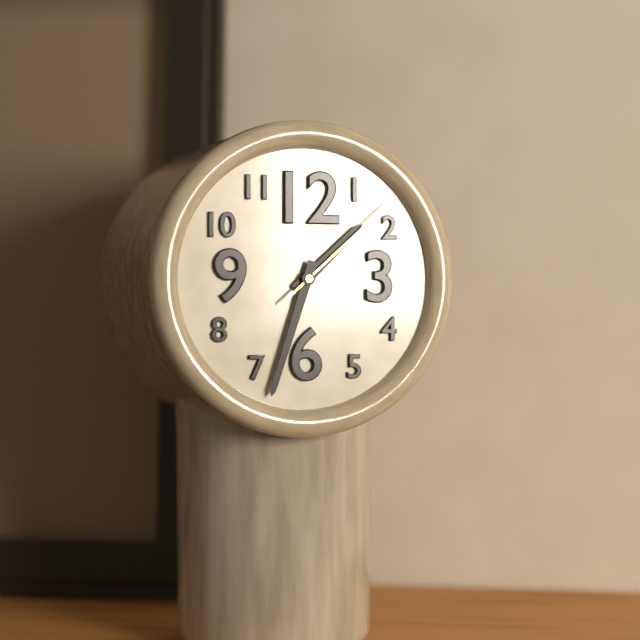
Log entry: 1,33,08
